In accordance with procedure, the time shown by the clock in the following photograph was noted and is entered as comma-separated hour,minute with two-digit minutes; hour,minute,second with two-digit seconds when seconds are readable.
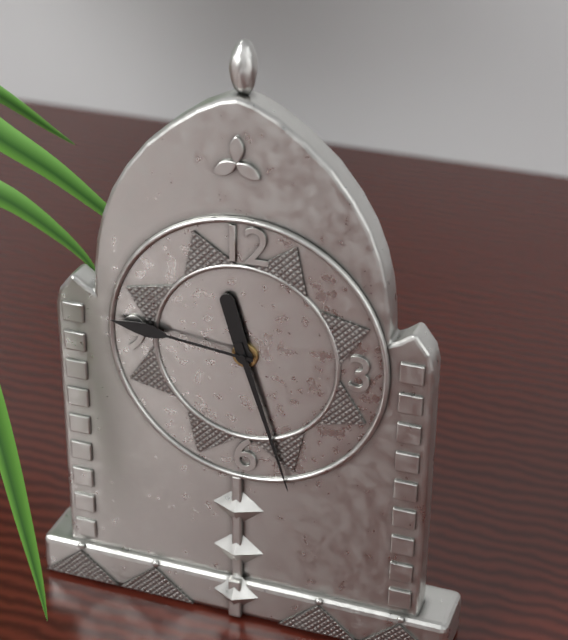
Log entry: 11,27,46
